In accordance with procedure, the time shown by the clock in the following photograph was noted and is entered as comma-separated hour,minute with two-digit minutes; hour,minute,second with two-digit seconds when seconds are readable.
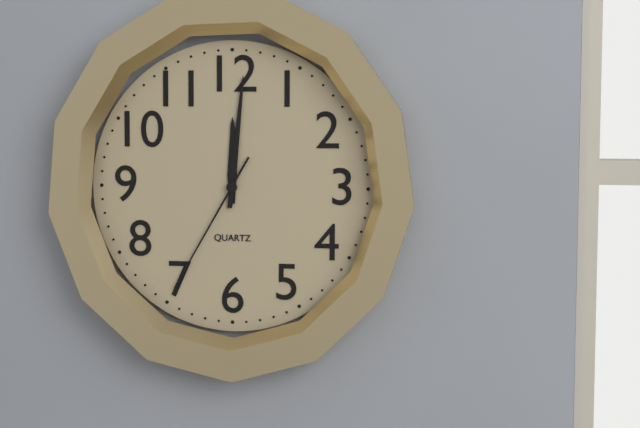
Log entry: 12,01,35
